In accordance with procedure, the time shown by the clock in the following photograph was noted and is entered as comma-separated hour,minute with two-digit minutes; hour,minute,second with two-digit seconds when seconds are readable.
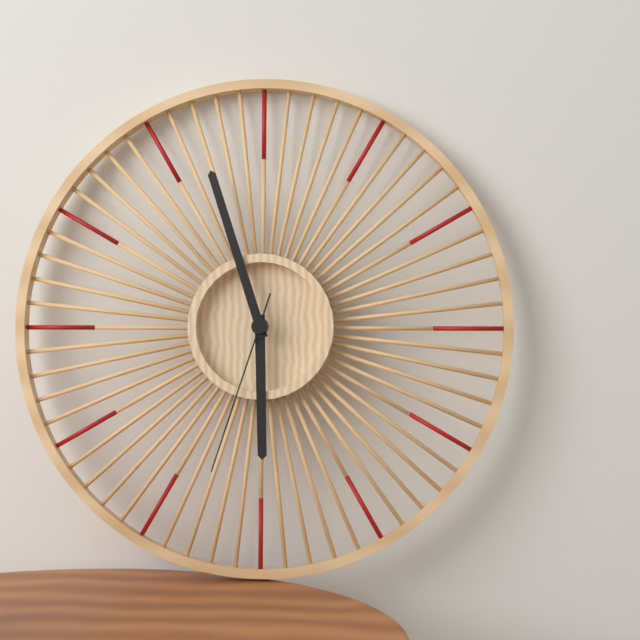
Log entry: 5,57,33
